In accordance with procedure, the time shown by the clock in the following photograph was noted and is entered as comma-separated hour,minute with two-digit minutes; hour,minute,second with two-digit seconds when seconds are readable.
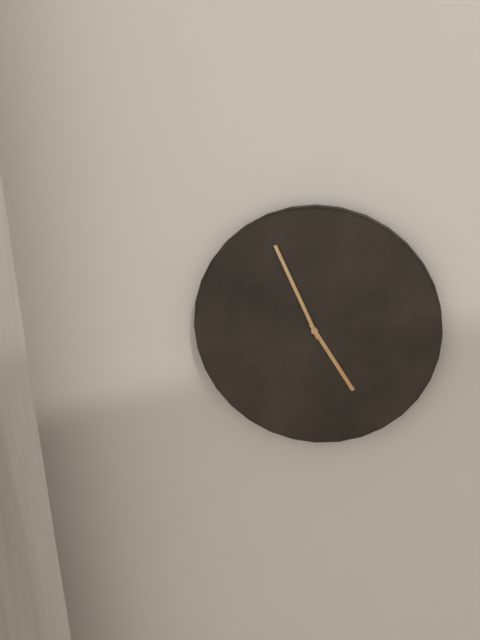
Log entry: 4,56
